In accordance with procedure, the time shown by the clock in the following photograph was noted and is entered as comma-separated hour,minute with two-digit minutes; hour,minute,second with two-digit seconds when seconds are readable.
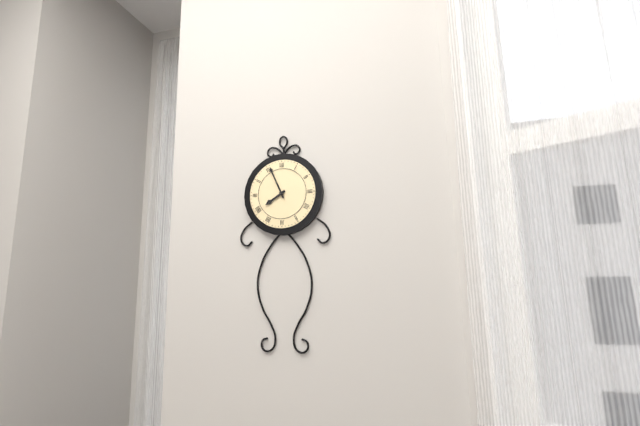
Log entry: 7,56
